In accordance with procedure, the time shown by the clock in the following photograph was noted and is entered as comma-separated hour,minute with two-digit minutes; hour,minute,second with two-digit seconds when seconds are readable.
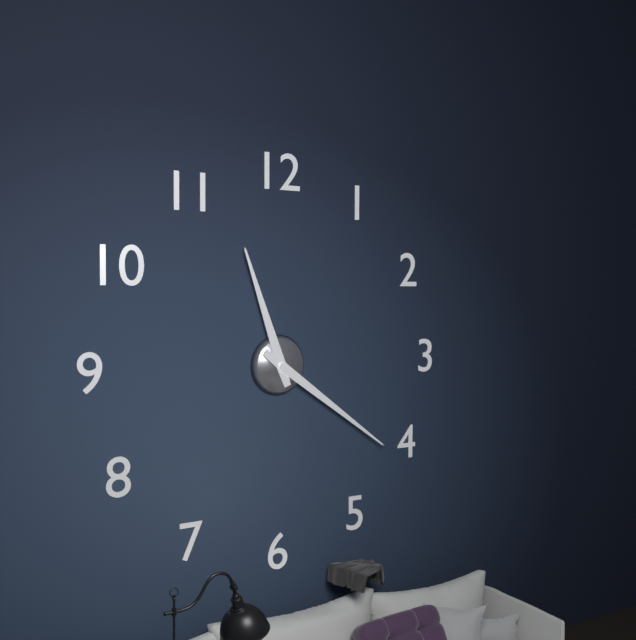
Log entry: 11,21
